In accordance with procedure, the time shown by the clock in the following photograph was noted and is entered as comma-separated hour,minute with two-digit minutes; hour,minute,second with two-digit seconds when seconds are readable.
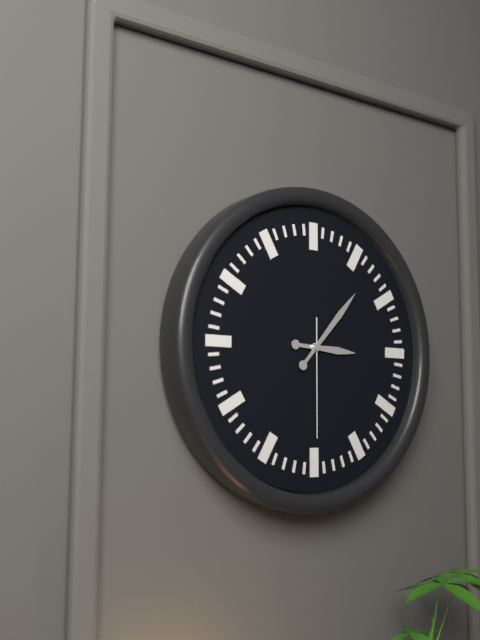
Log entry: 3,07,30
